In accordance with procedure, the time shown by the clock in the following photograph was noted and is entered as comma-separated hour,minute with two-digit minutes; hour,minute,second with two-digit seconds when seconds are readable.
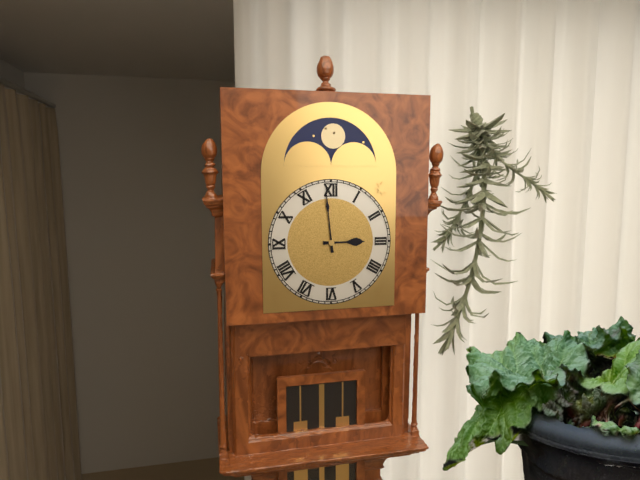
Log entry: 2,59
